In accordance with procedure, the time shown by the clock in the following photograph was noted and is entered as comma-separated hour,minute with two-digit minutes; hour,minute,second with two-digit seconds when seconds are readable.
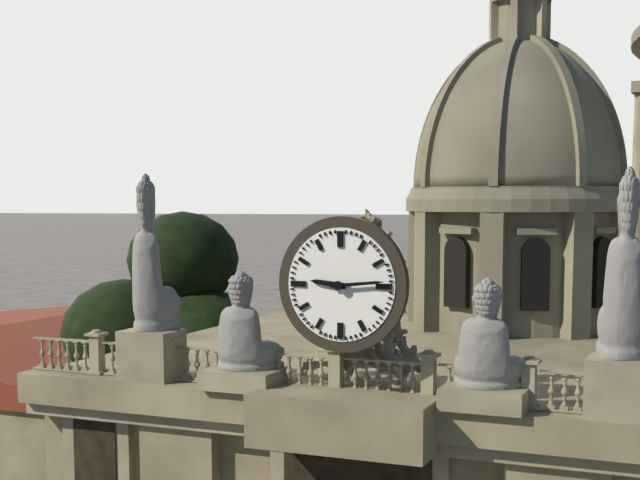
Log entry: 9,14
